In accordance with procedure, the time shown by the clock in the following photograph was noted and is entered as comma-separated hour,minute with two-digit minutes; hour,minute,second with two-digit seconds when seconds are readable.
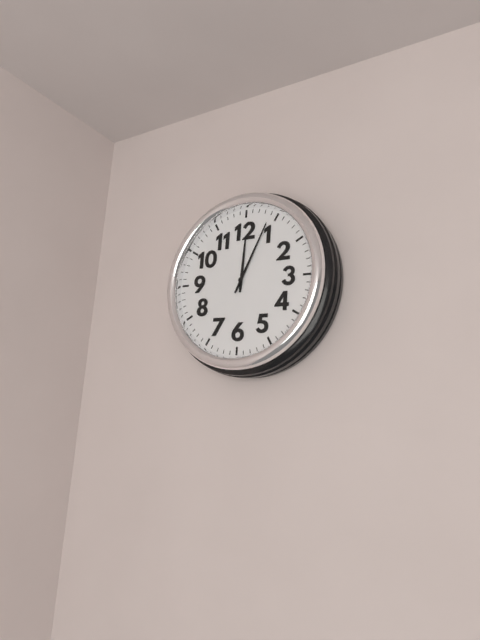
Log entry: 12,04
